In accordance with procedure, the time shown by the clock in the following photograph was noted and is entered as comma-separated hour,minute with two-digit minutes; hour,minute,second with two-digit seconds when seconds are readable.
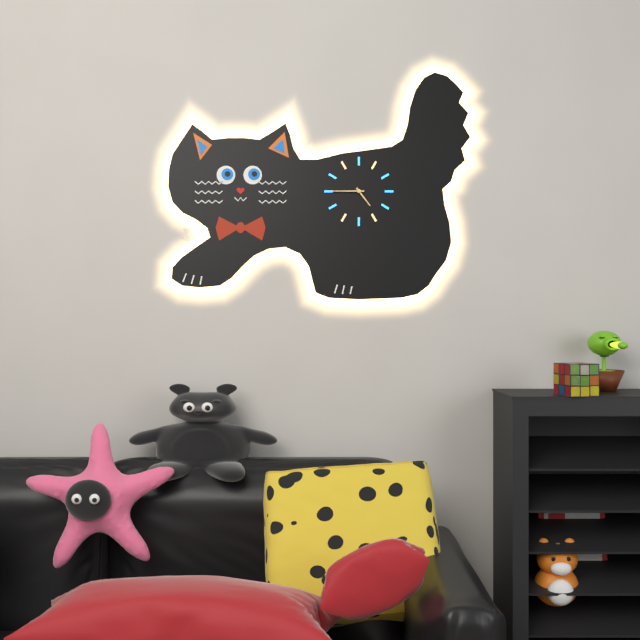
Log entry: 4,45
